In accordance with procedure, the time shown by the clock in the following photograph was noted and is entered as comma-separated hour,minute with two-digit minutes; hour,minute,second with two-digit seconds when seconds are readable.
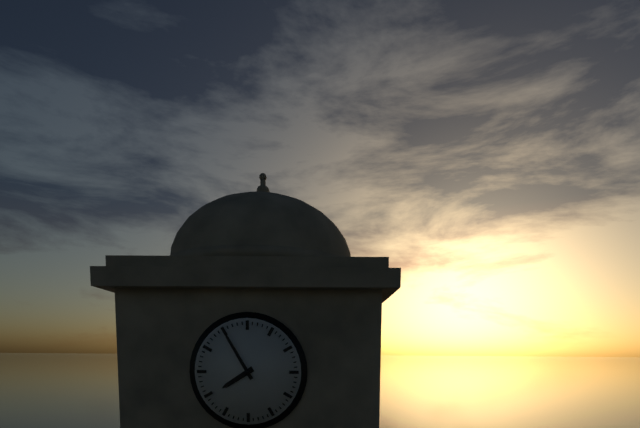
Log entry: 7,55
